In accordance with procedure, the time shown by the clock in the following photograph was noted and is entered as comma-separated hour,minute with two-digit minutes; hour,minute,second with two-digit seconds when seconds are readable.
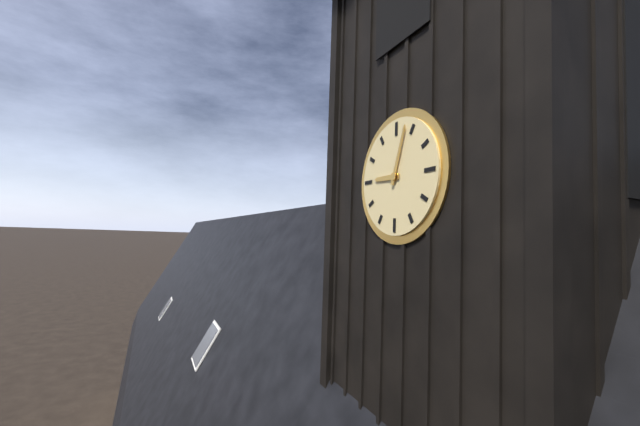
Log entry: 9,03
